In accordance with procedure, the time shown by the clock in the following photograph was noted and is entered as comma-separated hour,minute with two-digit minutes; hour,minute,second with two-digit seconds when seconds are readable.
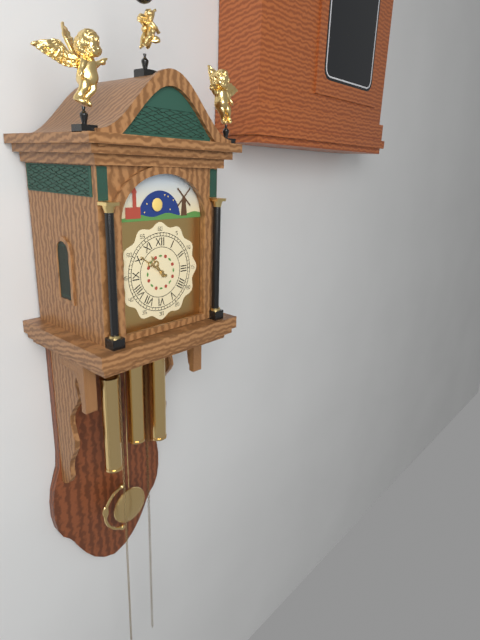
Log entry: 10,51
